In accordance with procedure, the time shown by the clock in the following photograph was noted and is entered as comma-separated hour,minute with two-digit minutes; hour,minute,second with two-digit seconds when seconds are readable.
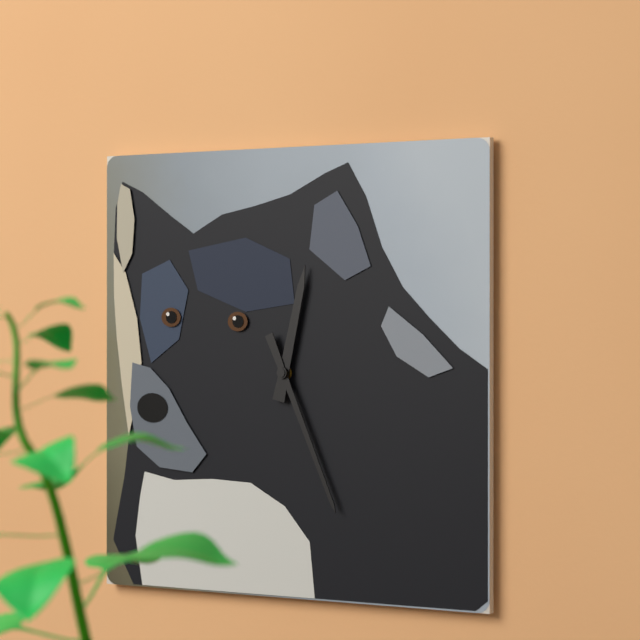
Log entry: 12,26
